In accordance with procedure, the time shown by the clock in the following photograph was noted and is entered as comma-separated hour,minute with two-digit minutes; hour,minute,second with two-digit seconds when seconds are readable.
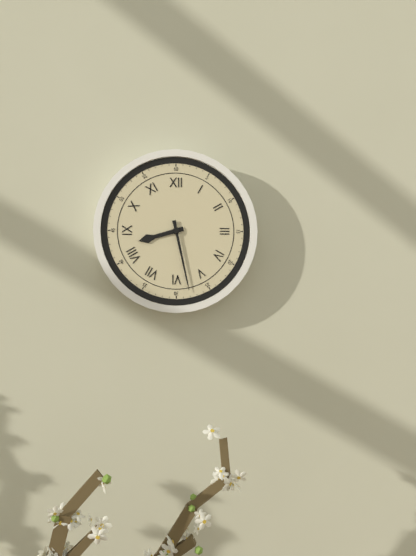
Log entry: 8,28
